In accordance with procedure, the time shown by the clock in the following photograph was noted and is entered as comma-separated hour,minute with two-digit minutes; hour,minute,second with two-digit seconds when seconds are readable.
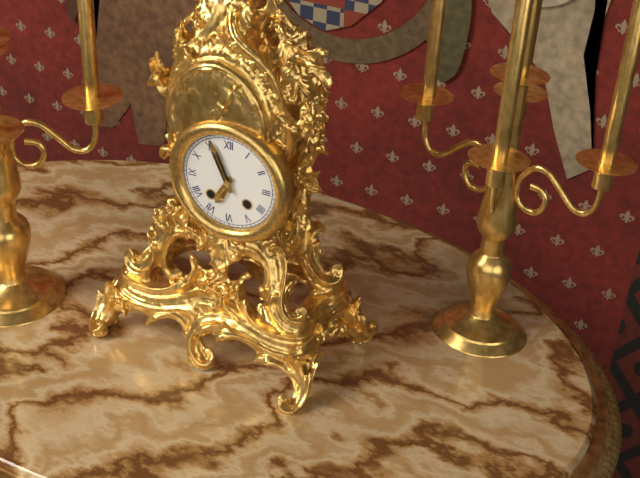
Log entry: 6,56
